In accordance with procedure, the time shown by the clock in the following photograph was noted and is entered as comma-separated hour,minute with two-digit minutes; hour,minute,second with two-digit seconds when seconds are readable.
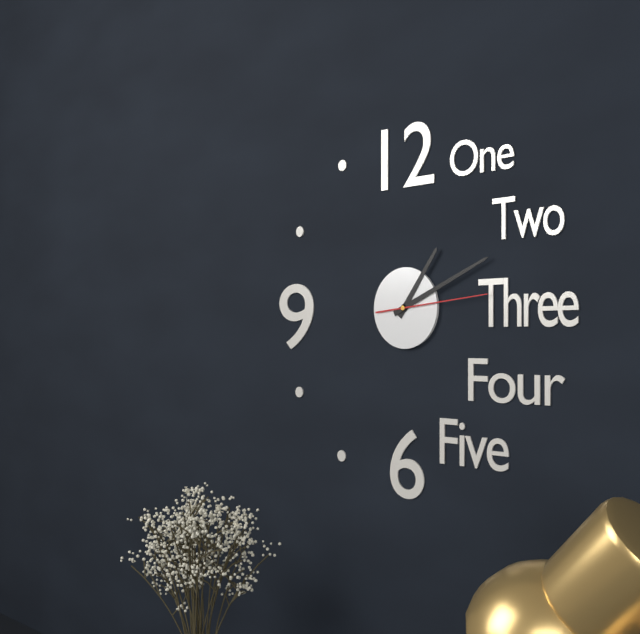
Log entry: 1,11,14
